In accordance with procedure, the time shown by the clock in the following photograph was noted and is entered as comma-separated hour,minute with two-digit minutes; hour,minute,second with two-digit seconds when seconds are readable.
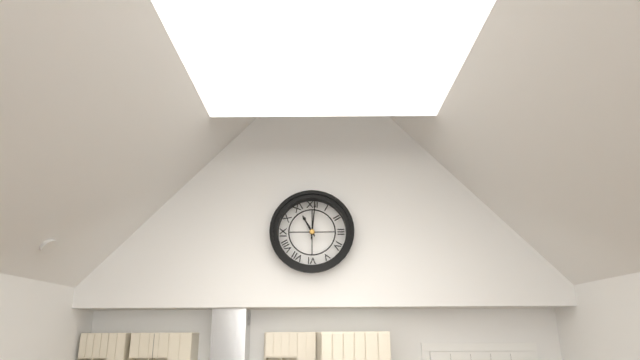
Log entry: 11,01
